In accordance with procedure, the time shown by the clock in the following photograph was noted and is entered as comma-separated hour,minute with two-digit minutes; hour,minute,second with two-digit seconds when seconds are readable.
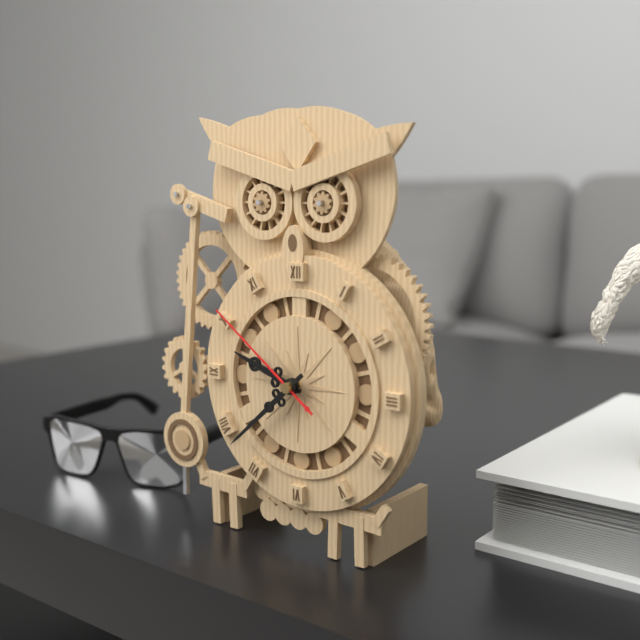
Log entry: 9,38,51
